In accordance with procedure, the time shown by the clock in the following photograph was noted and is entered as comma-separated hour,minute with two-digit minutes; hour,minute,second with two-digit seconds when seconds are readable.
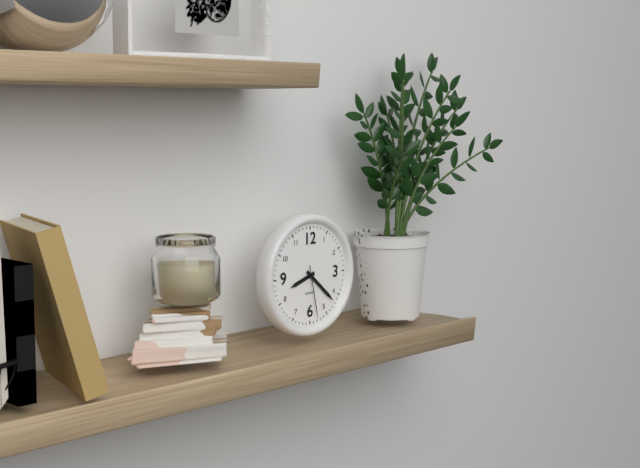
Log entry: 8,22,28
